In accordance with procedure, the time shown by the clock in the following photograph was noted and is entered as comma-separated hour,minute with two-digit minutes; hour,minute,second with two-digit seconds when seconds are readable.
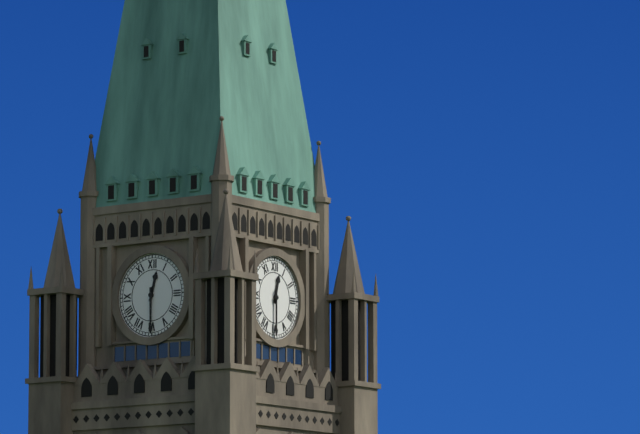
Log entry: 12,30
